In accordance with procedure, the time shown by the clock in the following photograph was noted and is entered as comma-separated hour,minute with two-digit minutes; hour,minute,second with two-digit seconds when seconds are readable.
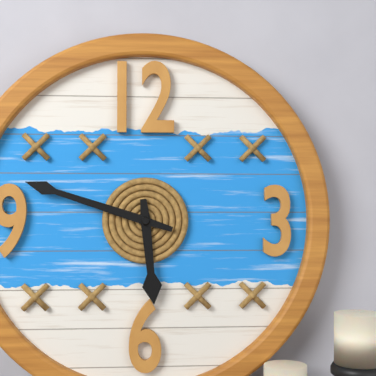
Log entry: 5,48
